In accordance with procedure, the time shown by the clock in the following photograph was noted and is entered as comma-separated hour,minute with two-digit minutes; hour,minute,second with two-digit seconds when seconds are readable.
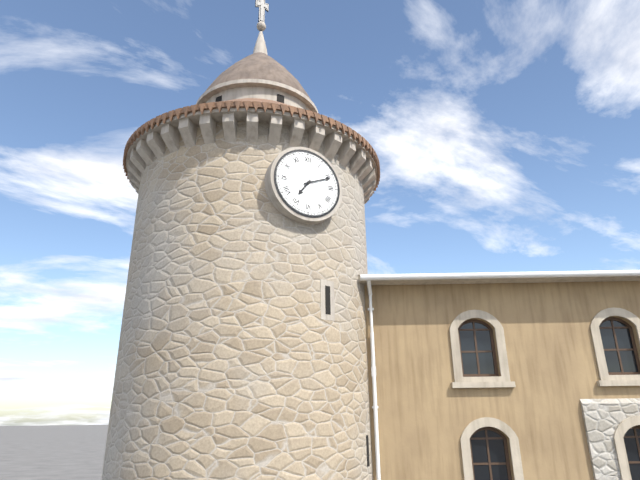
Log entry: 7,11
